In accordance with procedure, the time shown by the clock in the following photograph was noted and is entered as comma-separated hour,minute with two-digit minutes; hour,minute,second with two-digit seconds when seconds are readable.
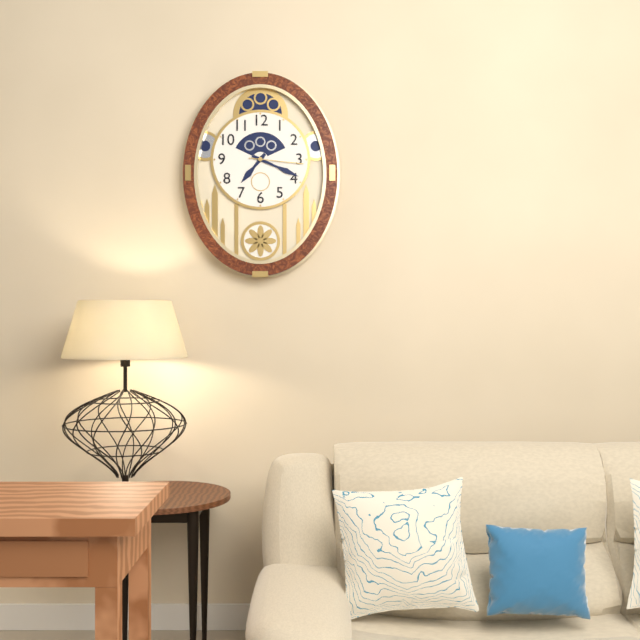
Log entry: 7,19,16
